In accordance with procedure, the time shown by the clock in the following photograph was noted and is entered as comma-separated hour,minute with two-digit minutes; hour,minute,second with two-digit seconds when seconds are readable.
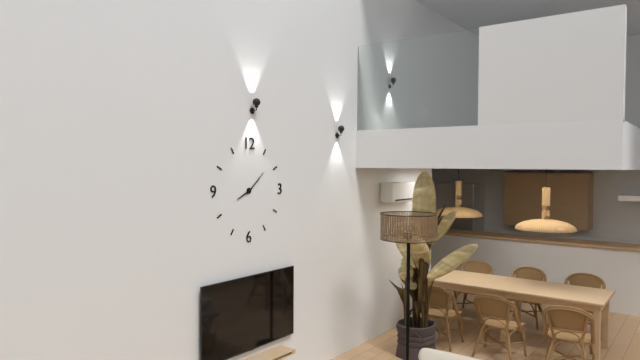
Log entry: 8,08
